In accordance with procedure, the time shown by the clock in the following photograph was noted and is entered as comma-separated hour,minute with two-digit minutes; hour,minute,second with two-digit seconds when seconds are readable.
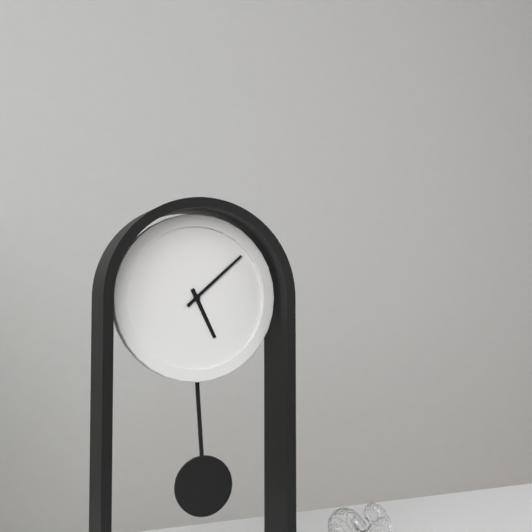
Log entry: 5,08
